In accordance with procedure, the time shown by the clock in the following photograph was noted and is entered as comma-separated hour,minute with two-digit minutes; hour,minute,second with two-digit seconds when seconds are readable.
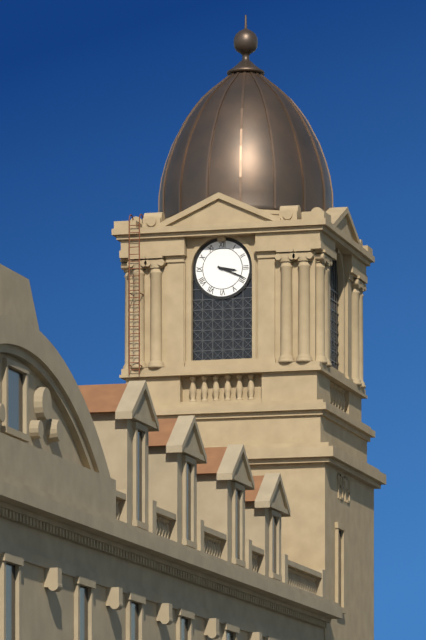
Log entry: 3,19
